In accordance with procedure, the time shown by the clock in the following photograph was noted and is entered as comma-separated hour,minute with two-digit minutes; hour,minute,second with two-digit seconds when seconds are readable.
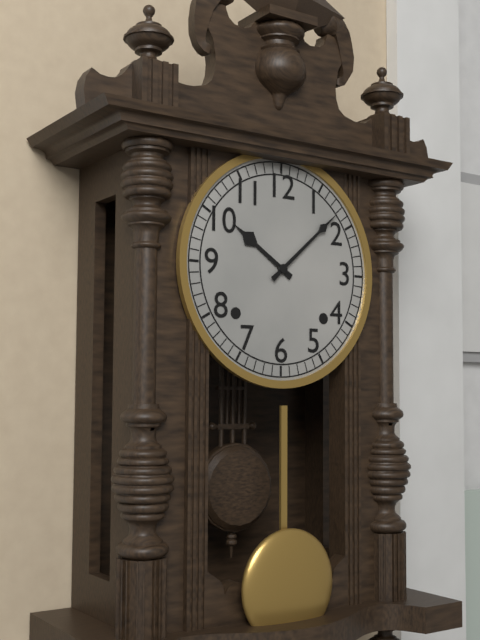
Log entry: 10,08
